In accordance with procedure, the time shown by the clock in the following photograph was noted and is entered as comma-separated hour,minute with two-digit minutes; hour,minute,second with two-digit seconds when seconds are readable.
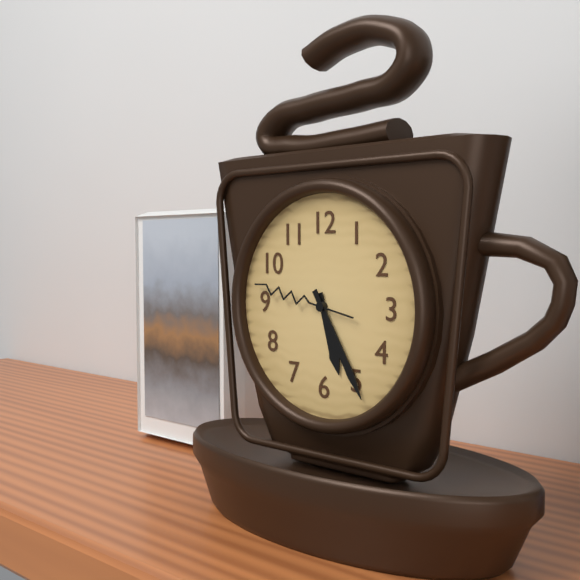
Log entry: 5,25,47
